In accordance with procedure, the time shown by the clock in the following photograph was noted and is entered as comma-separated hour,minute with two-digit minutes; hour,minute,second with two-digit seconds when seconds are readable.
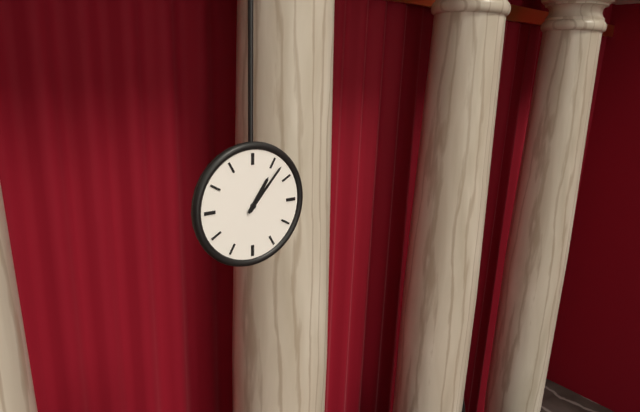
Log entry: 1,07
